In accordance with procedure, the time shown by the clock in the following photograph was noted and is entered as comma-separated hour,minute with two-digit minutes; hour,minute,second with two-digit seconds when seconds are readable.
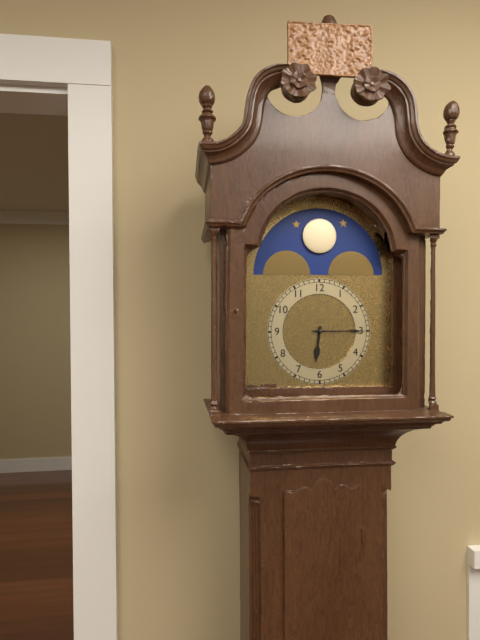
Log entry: 6,15
